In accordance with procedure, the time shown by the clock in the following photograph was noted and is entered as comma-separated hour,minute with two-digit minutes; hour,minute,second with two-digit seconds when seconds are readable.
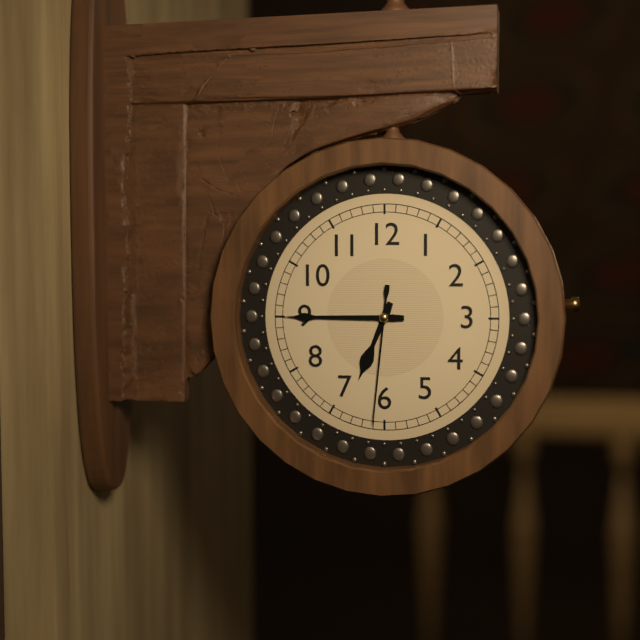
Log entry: 6,45,31
